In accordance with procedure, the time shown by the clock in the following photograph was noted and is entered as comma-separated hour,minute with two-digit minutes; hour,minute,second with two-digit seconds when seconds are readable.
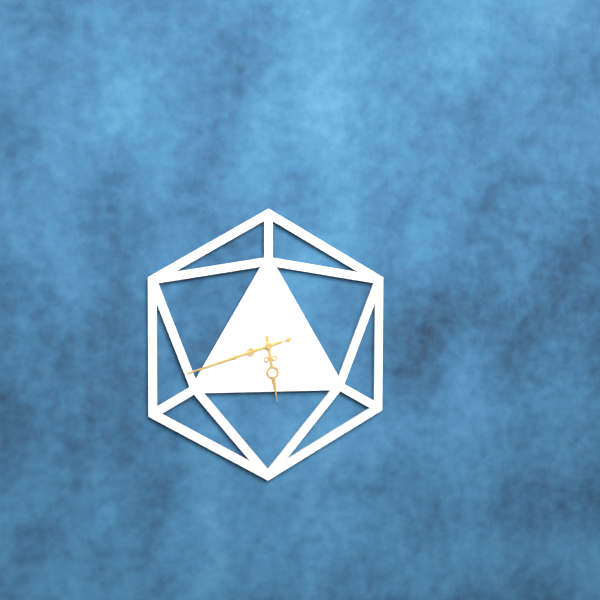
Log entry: 5,42,42
